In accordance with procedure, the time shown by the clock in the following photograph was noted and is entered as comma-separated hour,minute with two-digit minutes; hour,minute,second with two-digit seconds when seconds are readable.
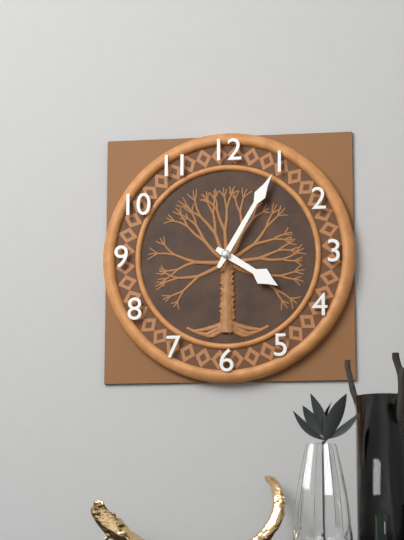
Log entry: 4,05
